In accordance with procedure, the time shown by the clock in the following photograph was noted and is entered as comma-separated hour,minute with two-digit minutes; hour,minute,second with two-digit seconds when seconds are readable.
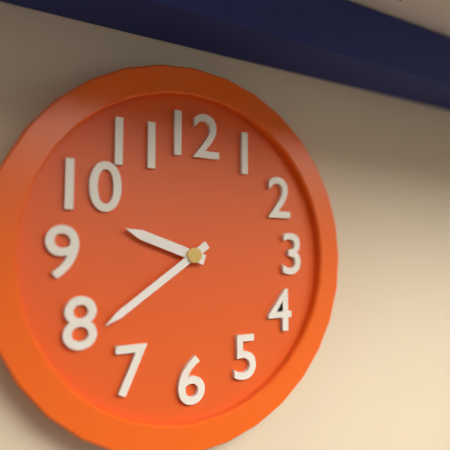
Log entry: 9,39
